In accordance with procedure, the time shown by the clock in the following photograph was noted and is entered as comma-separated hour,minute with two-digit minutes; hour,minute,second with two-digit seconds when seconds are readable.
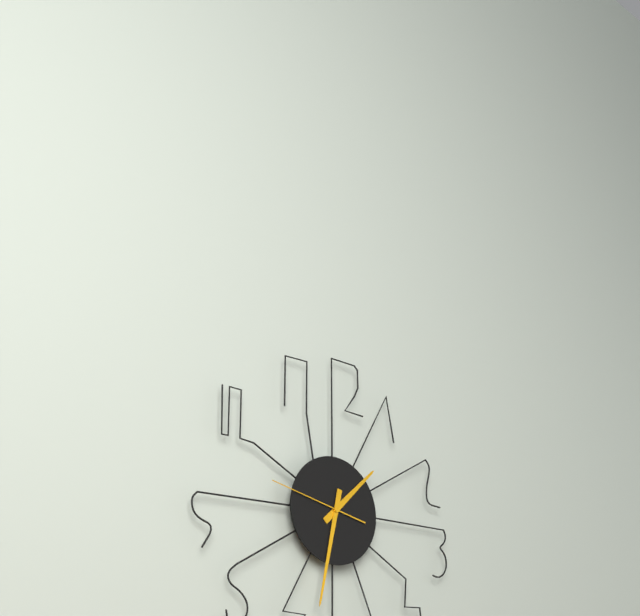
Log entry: 1,32,47
